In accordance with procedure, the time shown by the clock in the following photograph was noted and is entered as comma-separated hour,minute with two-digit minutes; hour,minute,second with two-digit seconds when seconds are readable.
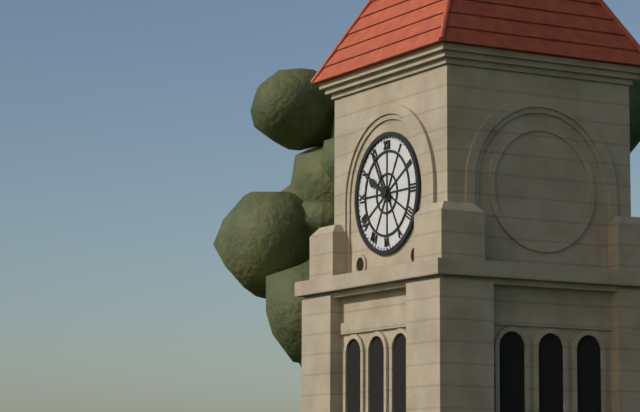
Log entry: 9,55
